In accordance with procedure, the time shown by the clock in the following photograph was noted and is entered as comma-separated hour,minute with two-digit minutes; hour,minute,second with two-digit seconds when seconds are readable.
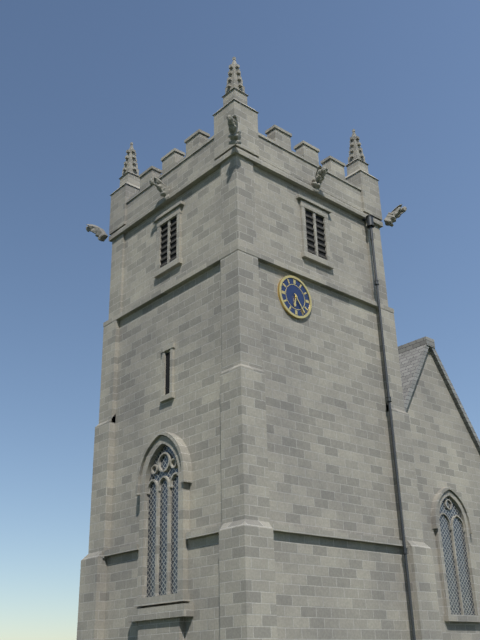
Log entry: 6,24
